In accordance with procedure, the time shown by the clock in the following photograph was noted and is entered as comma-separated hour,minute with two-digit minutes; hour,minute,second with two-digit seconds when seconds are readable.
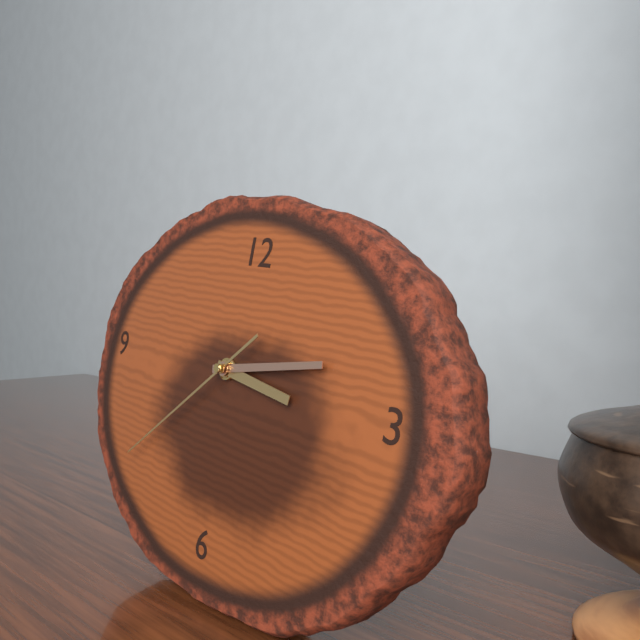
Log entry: 3,13,38
